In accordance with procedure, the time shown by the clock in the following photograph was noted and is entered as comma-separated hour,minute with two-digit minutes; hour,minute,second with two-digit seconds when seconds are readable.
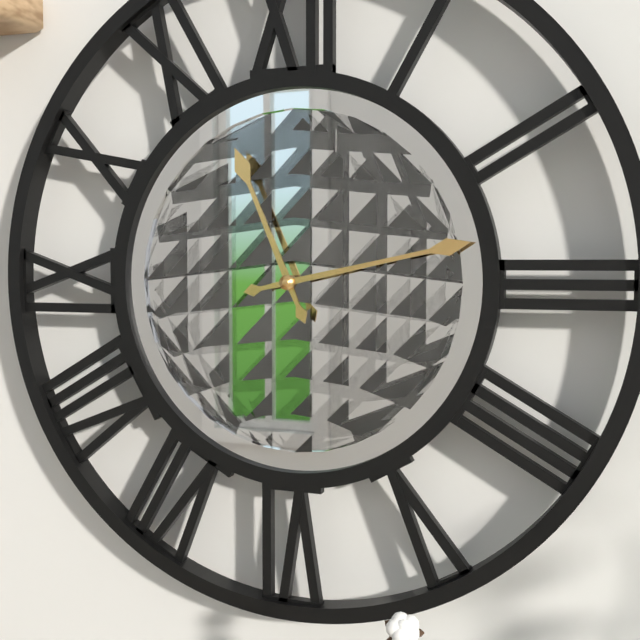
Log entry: 11,13
